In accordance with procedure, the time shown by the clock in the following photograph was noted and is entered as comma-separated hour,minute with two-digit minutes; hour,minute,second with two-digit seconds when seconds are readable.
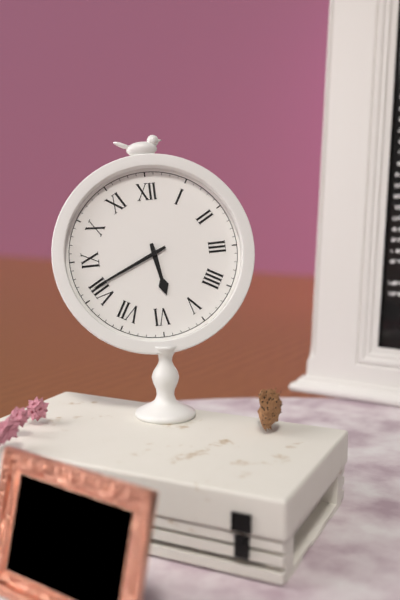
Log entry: 5,41
